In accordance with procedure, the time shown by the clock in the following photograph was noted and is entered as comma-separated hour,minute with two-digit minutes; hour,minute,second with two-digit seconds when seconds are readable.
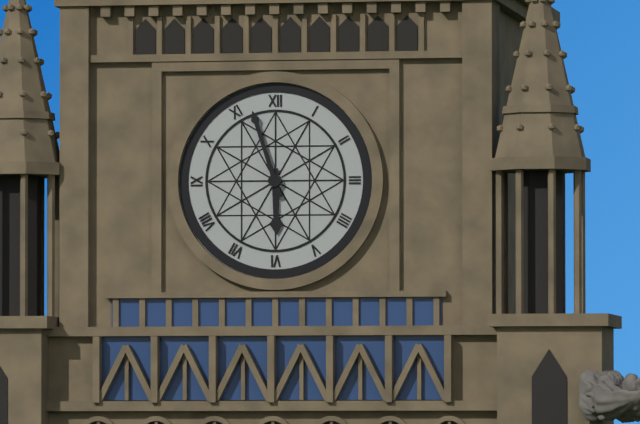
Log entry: 5,57
